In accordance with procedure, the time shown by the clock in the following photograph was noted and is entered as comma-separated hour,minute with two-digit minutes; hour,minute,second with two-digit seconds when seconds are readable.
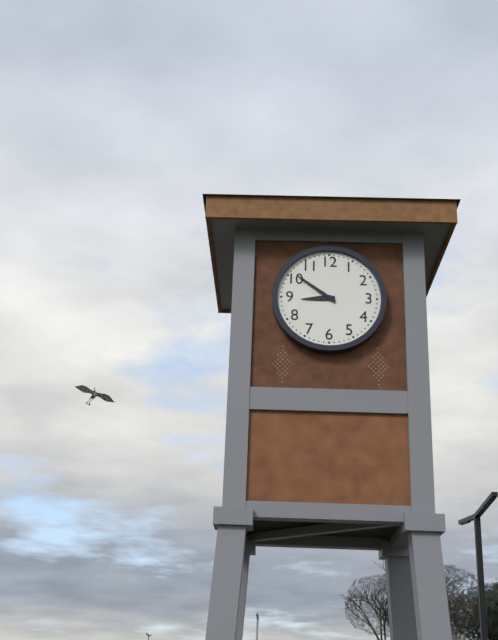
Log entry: 8,51
